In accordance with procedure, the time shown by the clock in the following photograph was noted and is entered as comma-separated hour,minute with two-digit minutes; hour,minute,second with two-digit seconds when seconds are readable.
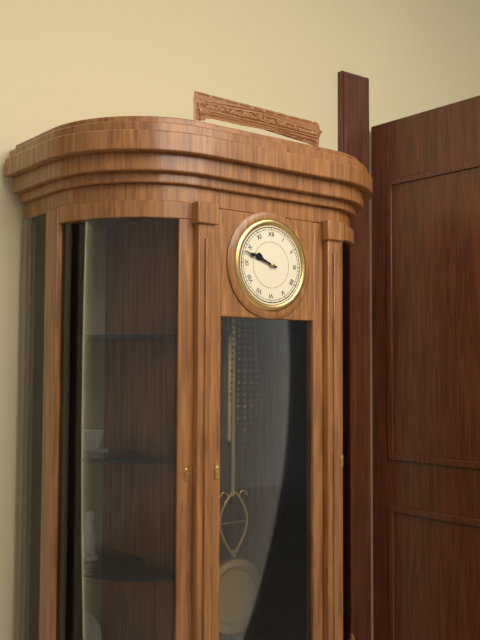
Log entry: 9,48
